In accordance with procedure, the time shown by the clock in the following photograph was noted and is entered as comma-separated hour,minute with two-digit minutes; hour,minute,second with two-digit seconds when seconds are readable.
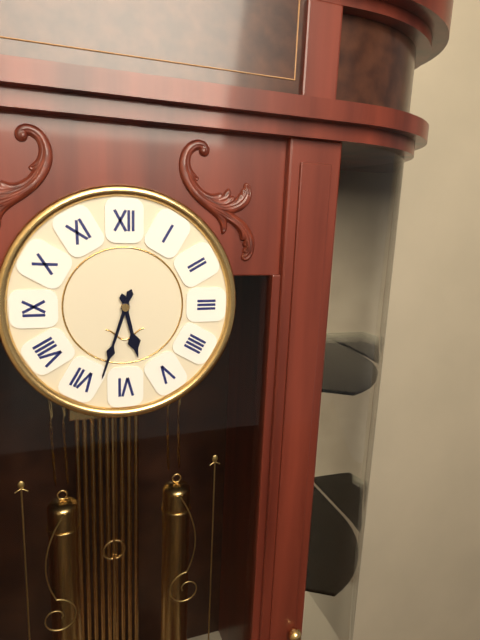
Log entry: 5,33
